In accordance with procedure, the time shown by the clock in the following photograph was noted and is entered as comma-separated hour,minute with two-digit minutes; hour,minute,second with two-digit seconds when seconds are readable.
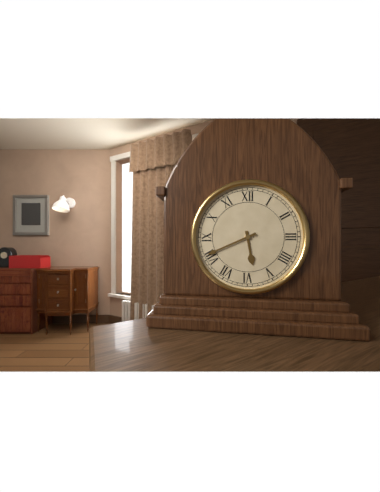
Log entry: 5,41
